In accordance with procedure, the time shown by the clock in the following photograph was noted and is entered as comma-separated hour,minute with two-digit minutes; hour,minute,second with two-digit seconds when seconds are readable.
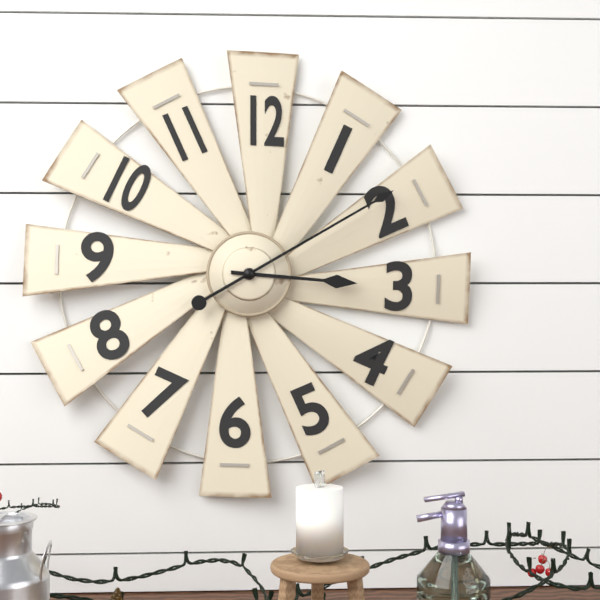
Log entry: 3,10
